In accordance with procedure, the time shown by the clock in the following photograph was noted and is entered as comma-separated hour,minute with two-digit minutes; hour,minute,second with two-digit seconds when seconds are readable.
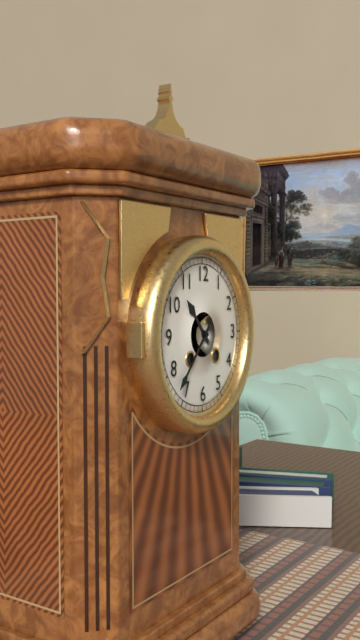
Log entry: 10,37
